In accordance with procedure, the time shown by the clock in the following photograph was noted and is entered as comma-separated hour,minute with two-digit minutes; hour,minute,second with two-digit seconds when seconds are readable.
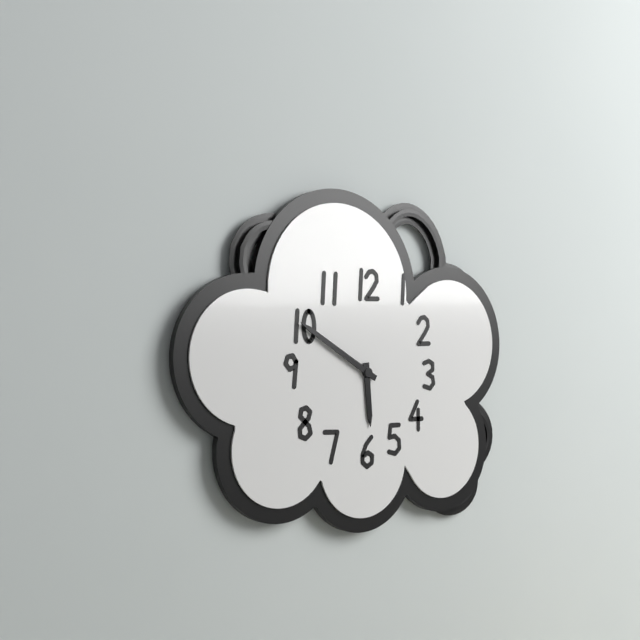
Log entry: 5,50
